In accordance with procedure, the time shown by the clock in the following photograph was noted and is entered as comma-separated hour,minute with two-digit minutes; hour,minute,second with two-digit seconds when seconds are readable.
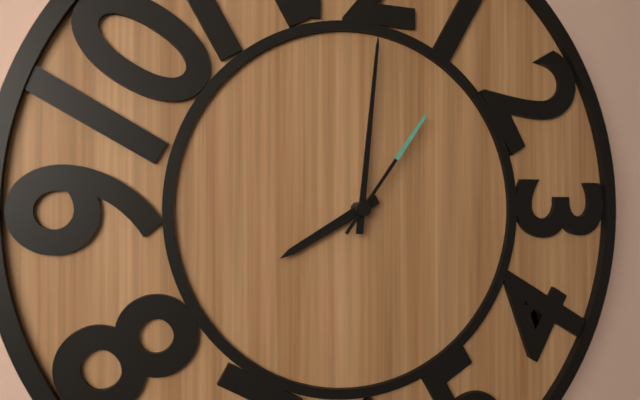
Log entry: 8,01,06
